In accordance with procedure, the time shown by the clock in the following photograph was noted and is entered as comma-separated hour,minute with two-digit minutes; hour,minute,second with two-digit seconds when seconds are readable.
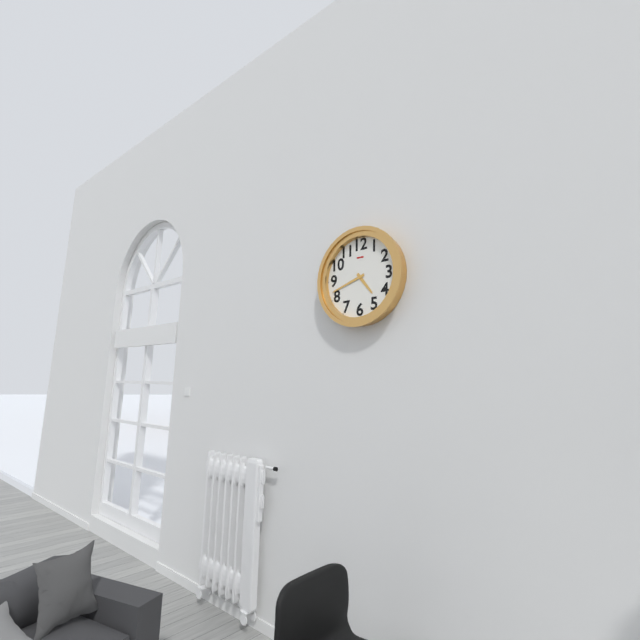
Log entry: 4,42
